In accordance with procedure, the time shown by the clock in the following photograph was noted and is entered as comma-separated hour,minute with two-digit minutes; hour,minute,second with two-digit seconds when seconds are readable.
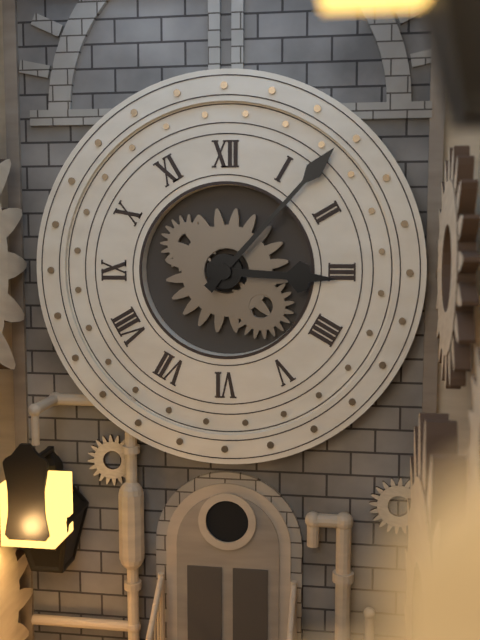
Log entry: 3,07
